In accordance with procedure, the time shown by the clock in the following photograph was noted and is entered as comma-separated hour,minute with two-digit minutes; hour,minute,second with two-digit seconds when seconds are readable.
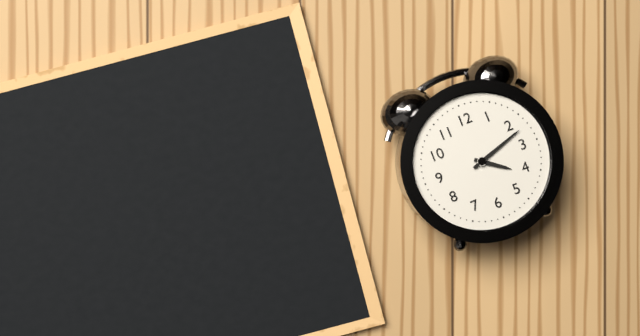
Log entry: 4,12
